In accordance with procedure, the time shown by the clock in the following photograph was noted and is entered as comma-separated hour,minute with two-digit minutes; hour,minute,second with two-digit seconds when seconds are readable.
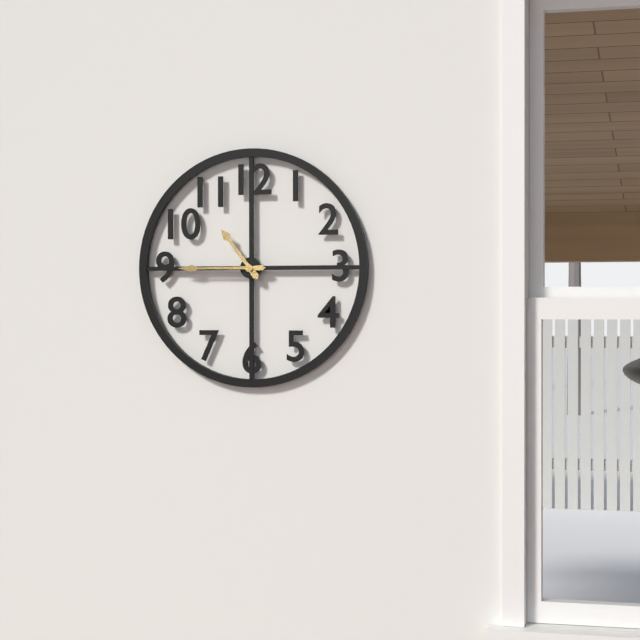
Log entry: 10,45
